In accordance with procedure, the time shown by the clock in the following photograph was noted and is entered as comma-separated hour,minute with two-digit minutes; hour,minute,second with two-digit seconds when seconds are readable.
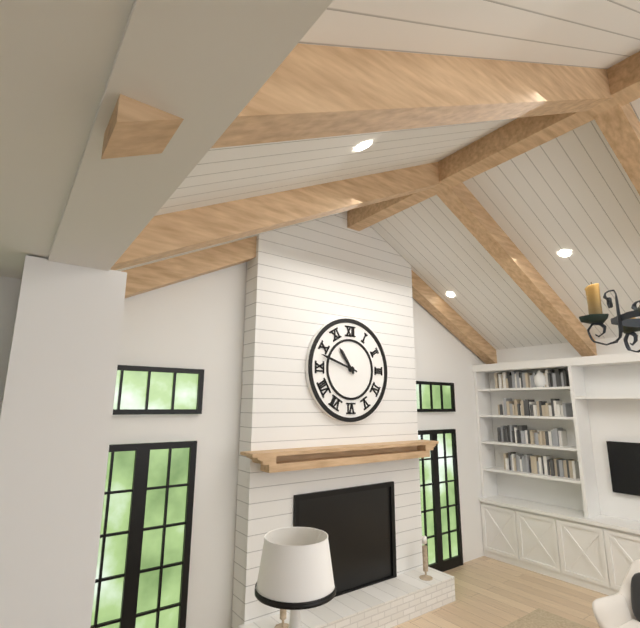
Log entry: 10,48
